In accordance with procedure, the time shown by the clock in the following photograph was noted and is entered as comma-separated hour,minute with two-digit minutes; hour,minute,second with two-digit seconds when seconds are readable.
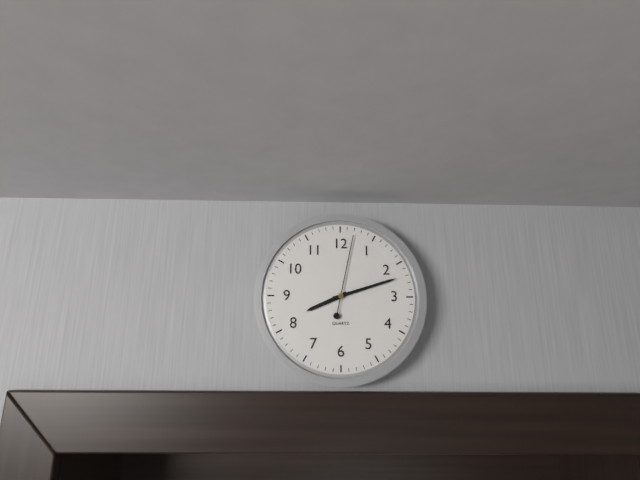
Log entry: 8,12,02
